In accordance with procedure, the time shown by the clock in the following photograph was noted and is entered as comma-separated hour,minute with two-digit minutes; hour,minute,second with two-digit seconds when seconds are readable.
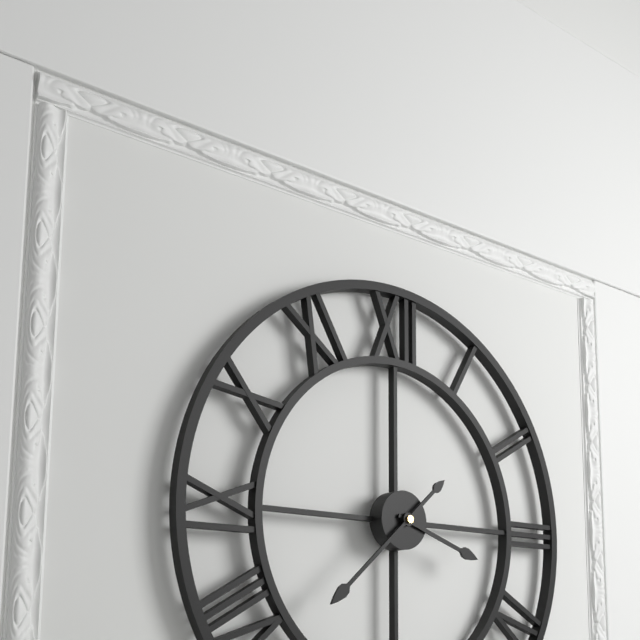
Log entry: 3,38
